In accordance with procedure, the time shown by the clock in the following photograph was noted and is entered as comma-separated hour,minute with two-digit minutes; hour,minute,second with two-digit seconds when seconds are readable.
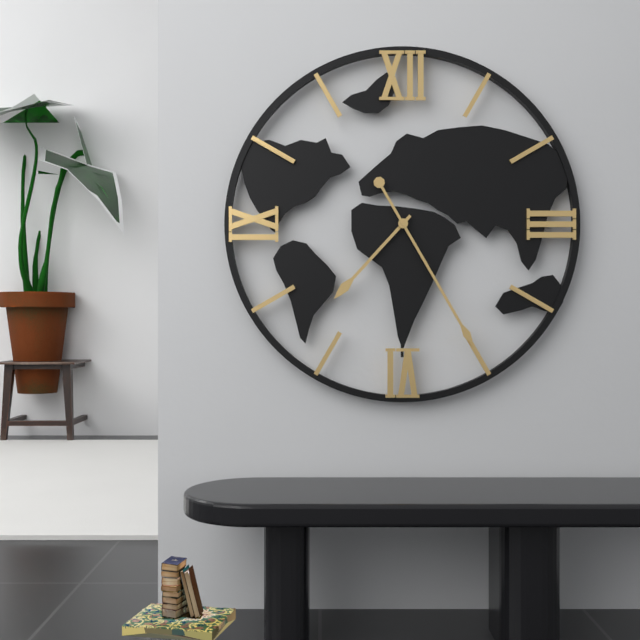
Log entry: 7,25
